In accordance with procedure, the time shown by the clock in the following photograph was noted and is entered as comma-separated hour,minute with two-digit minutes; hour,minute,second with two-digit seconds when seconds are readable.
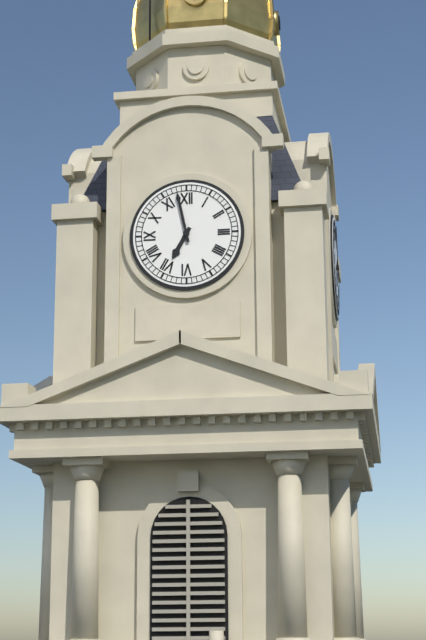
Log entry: 6,58
